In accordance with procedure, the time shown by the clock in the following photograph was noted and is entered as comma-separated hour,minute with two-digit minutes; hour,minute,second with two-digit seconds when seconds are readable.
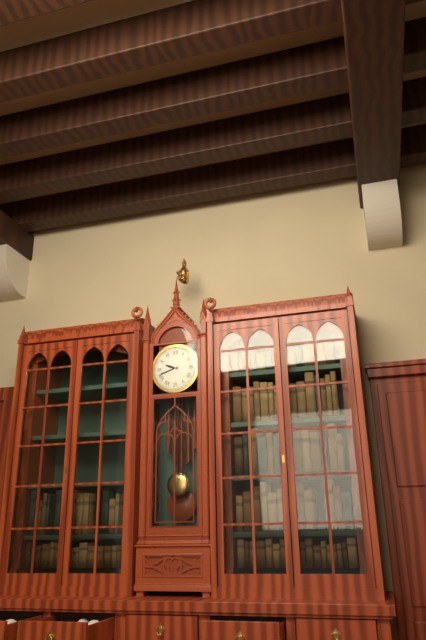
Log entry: 9,42
